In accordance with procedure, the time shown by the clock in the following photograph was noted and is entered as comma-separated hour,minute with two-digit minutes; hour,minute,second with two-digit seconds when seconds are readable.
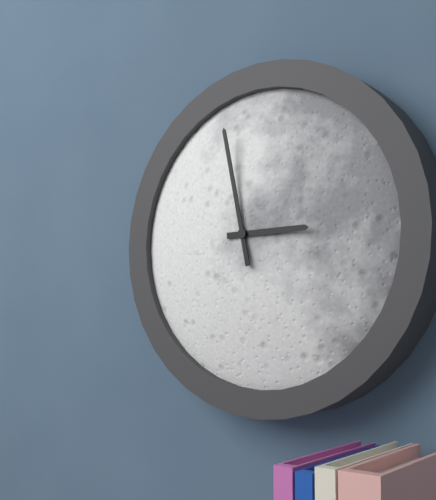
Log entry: 2,58
